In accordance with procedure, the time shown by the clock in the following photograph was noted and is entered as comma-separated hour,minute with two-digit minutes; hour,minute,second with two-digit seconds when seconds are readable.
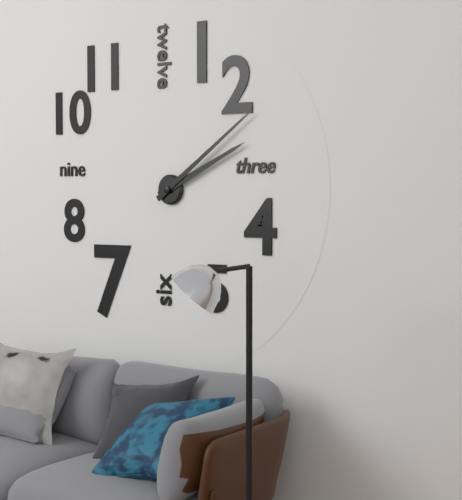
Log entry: 2,09
